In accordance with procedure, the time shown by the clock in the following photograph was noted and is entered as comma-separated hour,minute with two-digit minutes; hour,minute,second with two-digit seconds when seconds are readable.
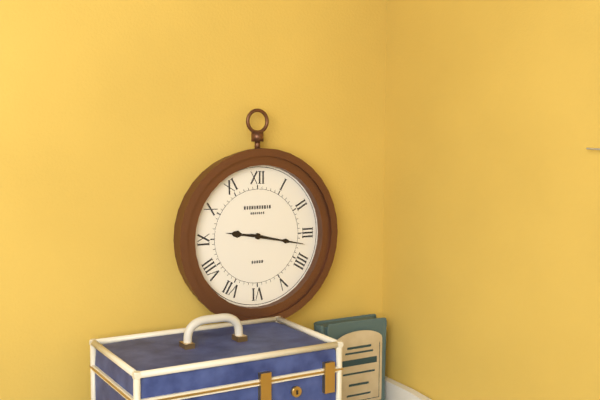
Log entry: 9,17
